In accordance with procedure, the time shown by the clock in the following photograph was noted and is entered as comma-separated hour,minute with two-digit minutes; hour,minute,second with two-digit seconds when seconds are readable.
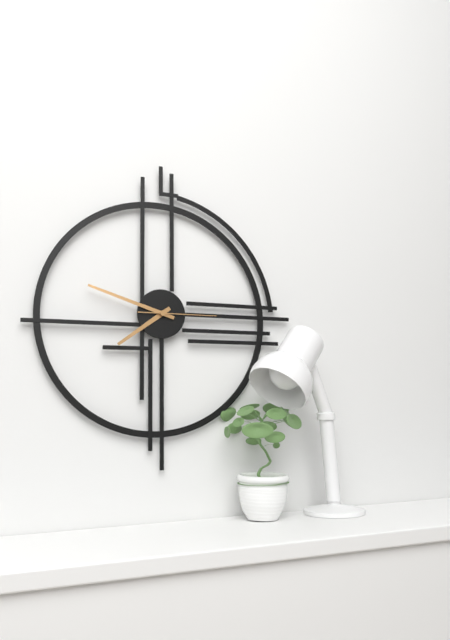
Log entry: 7,48,15
